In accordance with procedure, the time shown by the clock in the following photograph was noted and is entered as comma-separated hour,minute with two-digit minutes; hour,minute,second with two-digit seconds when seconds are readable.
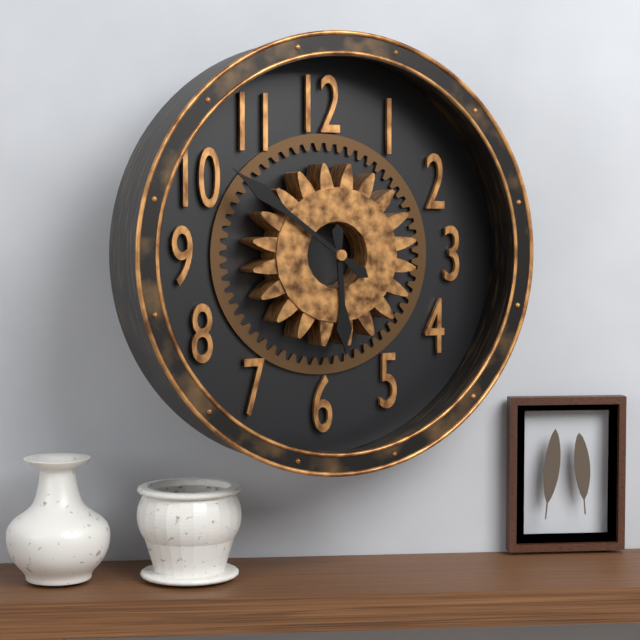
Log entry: 5,51
